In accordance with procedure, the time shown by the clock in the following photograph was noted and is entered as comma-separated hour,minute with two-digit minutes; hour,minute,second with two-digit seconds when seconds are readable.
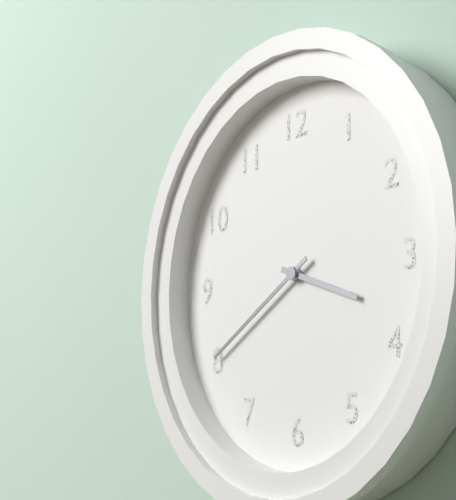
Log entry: 3,40
